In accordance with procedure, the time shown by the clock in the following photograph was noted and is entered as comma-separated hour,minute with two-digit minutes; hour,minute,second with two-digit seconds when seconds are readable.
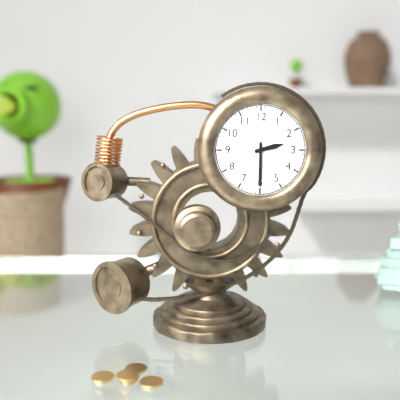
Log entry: 2,30
